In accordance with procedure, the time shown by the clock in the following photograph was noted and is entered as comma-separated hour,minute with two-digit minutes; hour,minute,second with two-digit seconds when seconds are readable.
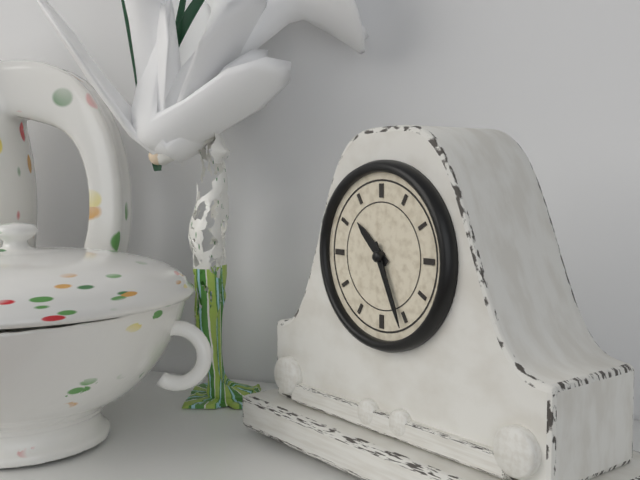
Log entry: 10,26
